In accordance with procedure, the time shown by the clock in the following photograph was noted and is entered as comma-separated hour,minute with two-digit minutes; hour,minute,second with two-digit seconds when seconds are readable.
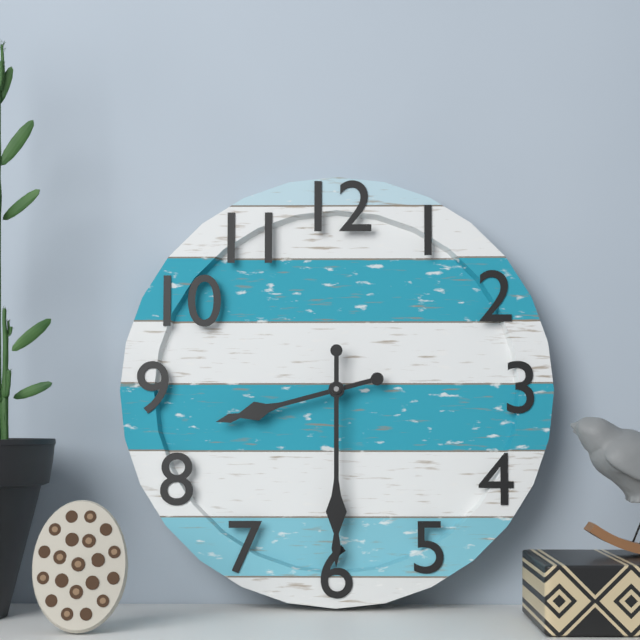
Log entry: 8,30
